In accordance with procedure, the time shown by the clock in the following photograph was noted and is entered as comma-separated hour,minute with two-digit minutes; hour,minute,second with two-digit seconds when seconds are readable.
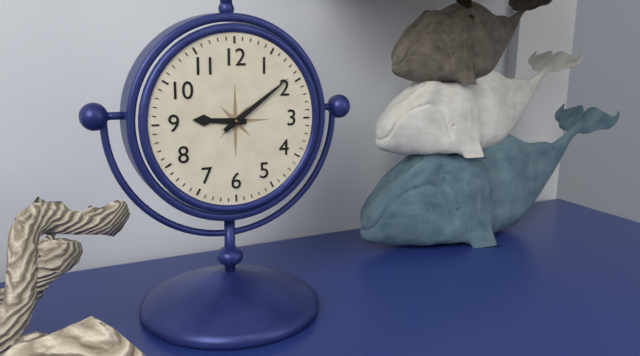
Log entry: 9,09
